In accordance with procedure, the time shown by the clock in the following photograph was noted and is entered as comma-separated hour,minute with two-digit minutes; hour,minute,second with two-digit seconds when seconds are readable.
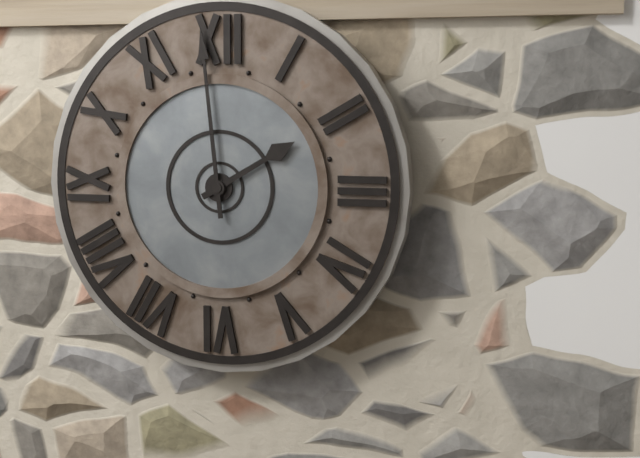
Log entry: 1,59
